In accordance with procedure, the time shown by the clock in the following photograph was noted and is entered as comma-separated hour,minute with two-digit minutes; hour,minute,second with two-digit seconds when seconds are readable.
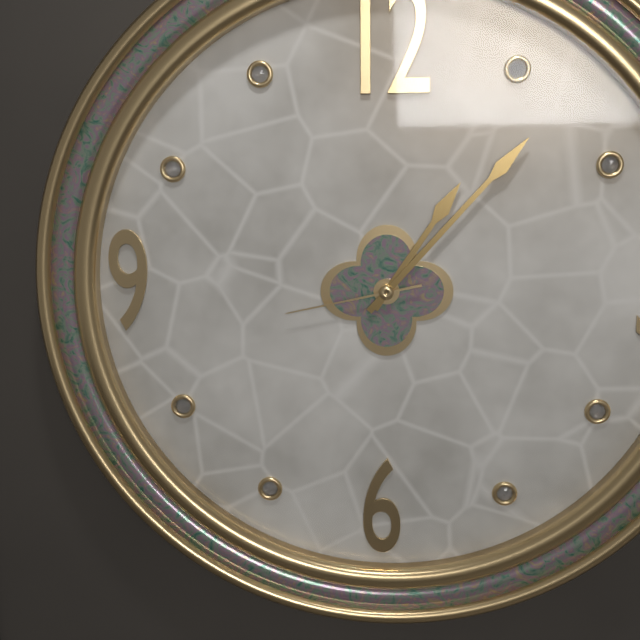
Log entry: 1,07,43
